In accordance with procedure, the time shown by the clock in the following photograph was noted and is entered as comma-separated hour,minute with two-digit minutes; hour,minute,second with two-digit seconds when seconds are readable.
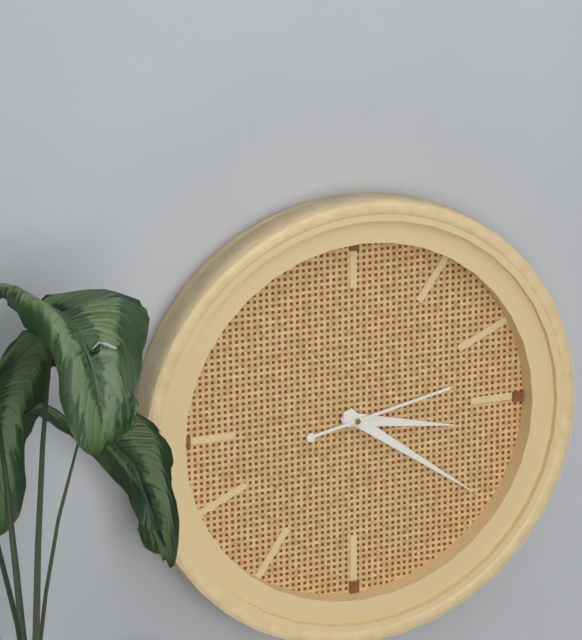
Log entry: 3,21,13
